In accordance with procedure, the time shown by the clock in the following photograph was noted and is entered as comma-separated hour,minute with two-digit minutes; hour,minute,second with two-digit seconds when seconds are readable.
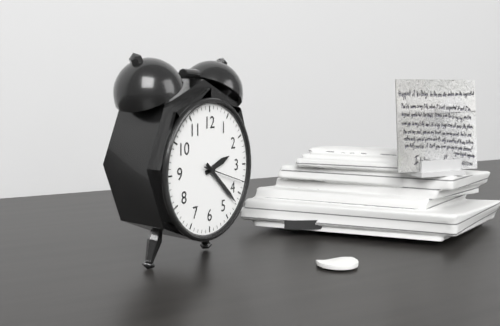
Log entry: 2,22
